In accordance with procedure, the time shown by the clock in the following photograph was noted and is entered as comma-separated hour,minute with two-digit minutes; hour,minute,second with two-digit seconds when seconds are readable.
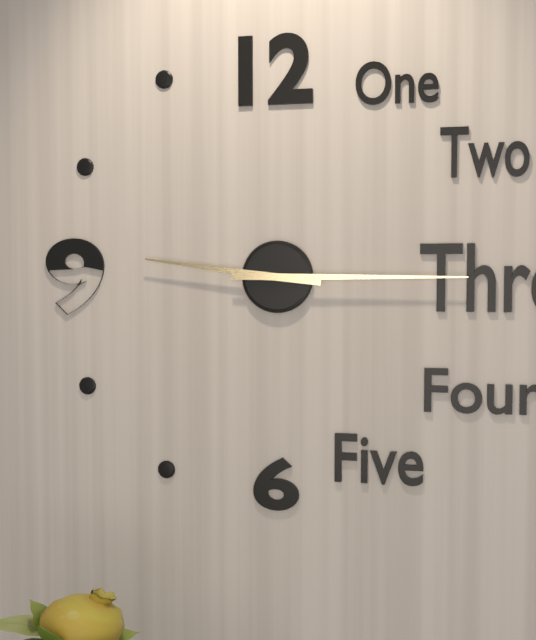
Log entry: 9,15
